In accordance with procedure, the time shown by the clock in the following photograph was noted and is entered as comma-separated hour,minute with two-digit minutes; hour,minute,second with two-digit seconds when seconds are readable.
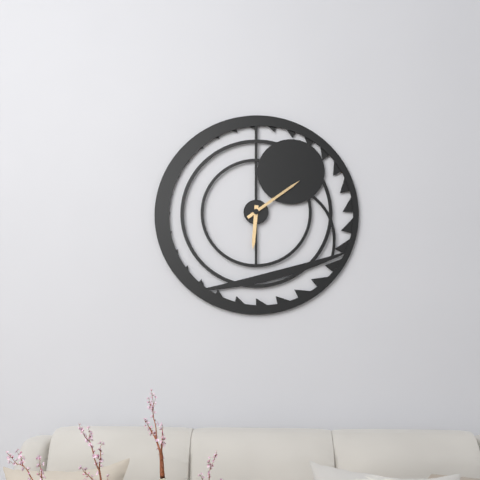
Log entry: 6,09
